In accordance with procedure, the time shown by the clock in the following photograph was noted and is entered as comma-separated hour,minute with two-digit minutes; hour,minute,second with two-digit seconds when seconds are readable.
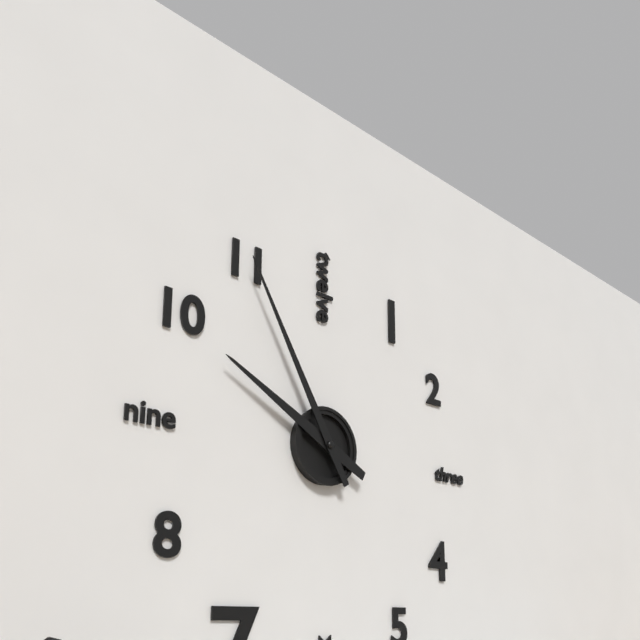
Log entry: 9,55
